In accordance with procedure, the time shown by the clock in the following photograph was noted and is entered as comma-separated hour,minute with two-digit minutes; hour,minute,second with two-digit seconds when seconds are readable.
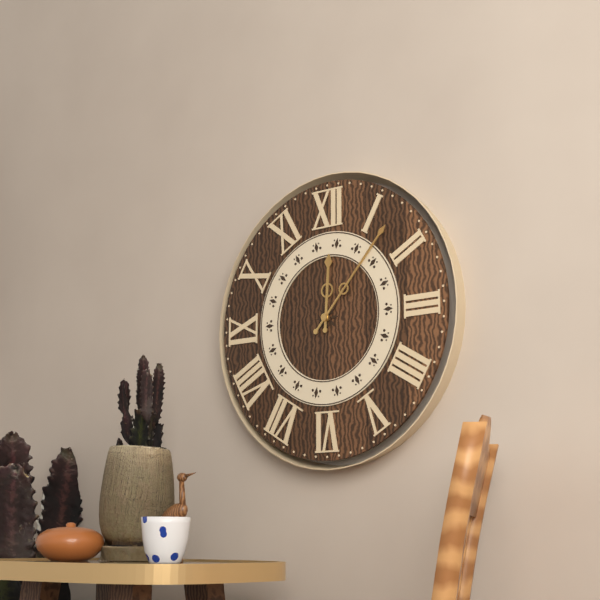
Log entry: 12,07
